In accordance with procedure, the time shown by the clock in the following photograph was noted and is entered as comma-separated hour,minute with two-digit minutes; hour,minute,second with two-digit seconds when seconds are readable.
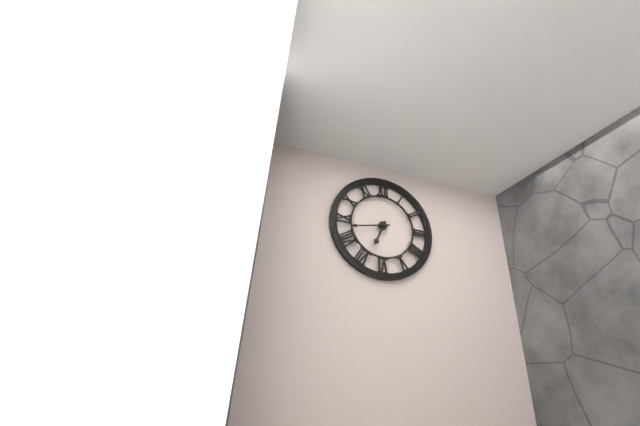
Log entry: 6,43
